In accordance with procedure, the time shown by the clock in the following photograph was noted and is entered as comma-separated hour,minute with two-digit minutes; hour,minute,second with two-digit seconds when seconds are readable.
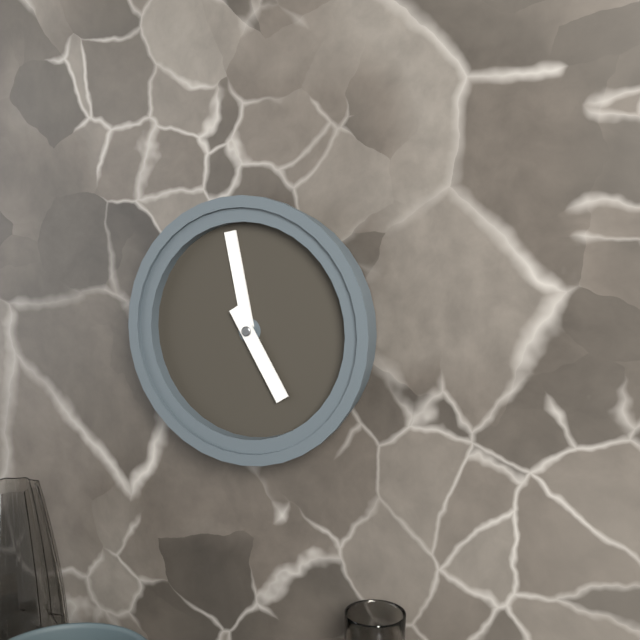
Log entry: 4,58
